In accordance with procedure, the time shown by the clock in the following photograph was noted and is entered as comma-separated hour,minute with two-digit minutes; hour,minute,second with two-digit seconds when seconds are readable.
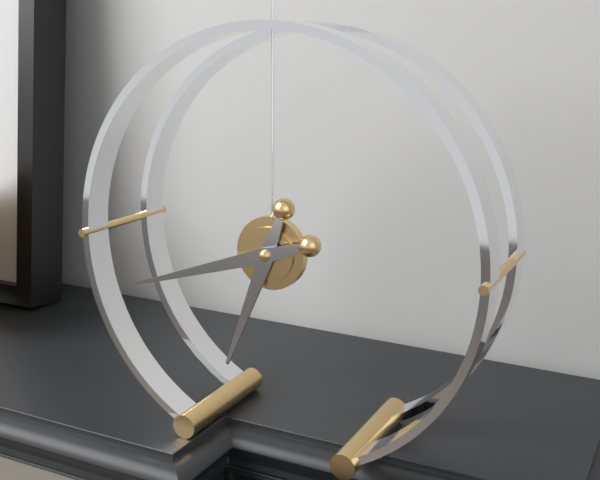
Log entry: 6,42
